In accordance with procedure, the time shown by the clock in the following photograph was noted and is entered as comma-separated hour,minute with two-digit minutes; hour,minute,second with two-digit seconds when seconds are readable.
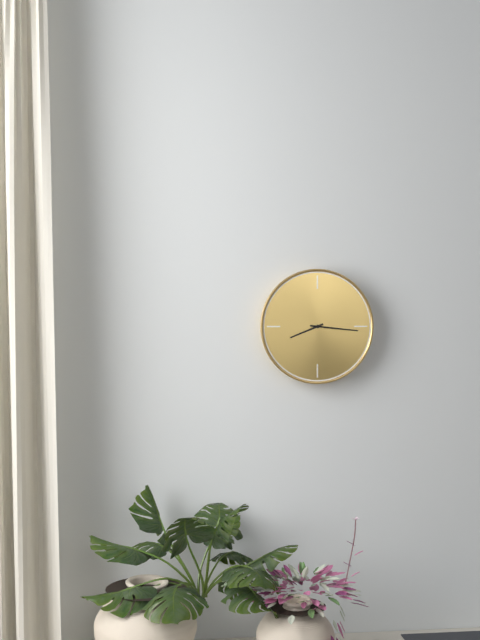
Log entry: 8,16
